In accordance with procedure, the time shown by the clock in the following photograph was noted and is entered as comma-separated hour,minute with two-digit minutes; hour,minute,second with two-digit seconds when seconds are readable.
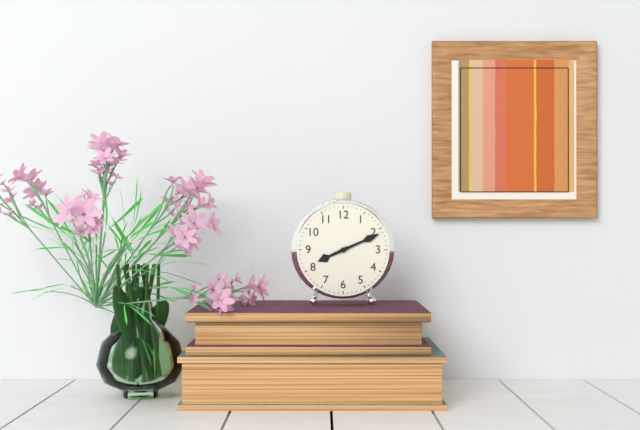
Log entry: 8,11
